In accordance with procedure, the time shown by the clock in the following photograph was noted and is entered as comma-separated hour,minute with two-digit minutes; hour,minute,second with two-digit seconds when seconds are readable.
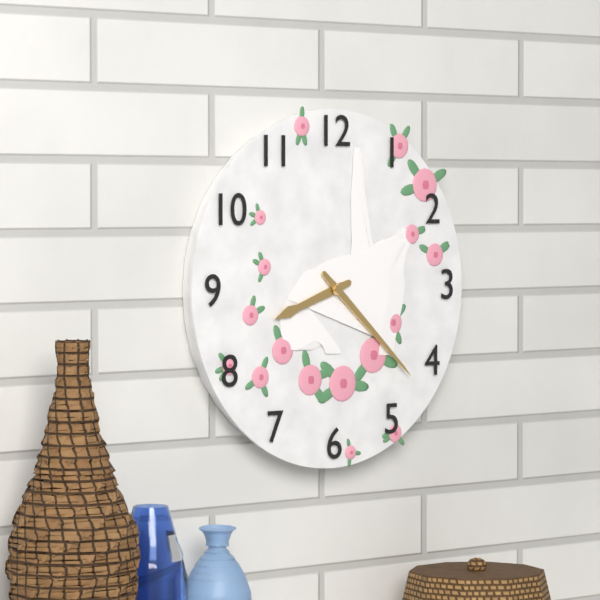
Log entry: 8,22
